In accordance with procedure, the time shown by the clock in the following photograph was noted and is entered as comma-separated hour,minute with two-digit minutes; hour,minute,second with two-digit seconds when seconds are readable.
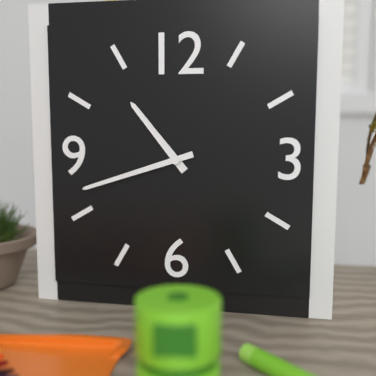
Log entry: 10,42
